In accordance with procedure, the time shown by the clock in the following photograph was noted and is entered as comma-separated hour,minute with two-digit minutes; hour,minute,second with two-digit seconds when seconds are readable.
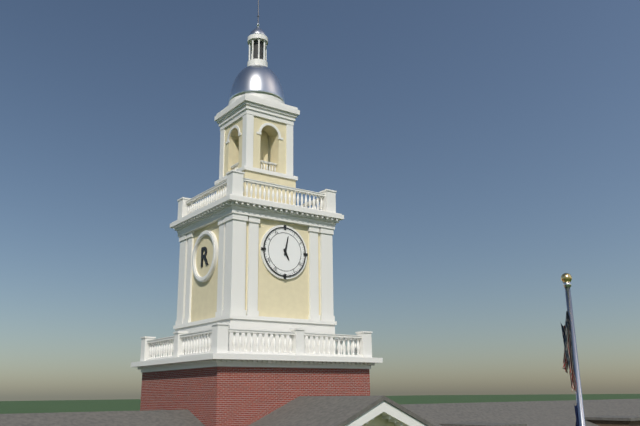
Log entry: 5,02
